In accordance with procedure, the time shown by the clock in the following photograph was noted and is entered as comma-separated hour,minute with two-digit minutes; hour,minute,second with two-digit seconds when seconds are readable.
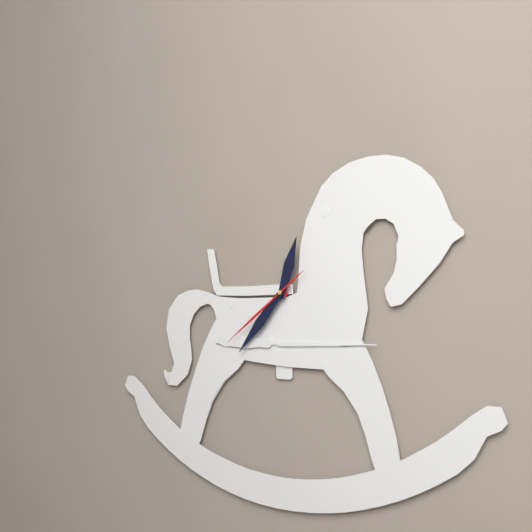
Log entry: 12,37,39
